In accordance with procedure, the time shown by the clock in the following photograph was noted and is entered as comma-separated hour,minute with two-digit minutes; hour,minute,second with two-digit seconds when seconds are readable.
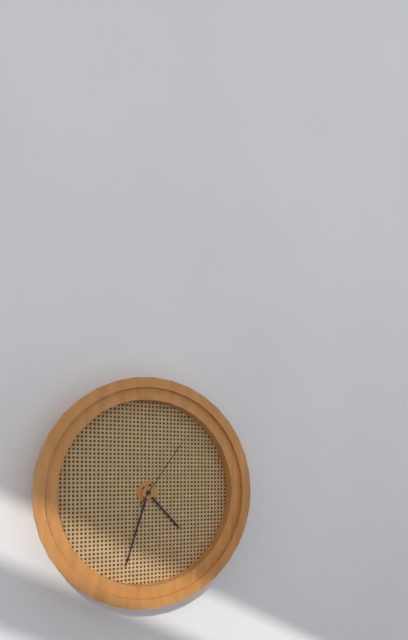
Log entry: 4,33,06
